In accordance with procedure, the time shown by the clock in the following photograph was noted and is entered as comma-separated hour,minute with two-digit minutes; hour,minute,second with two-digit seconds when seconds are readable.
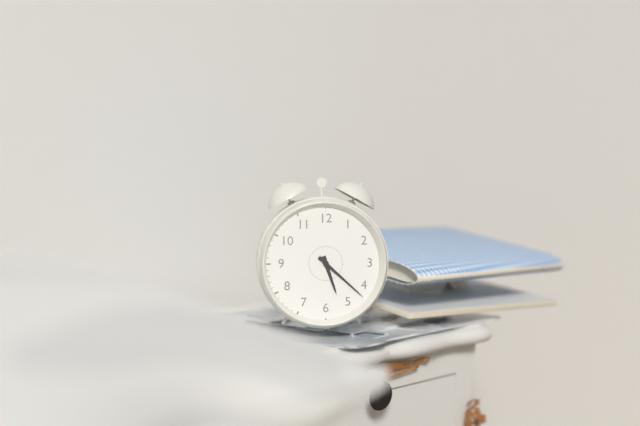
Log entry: 5,22
